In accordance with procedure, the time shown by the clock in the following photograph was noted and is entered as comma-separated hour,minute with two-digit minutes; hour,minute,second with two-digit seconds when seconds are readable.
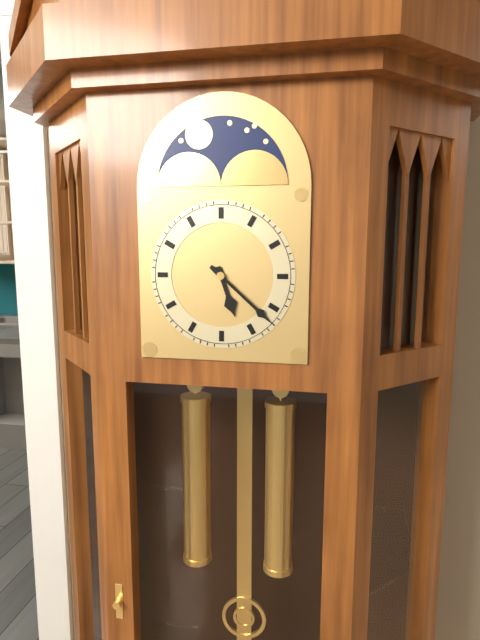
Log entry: 5,22
